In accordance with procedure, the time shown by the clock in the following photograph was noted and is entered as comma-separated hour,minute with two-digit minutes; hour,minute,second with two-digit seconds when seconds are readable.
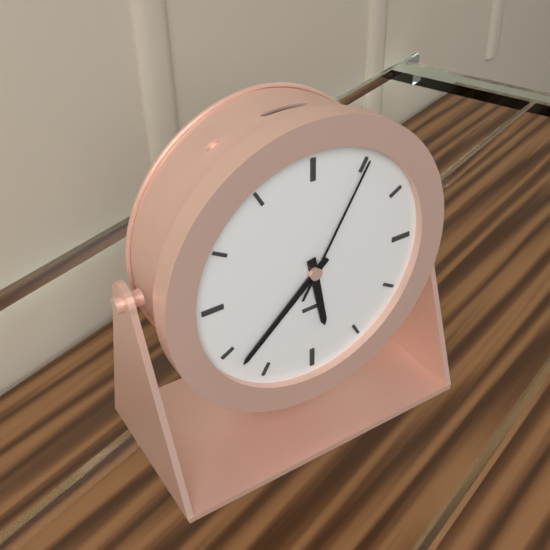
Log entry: 5,38,05
